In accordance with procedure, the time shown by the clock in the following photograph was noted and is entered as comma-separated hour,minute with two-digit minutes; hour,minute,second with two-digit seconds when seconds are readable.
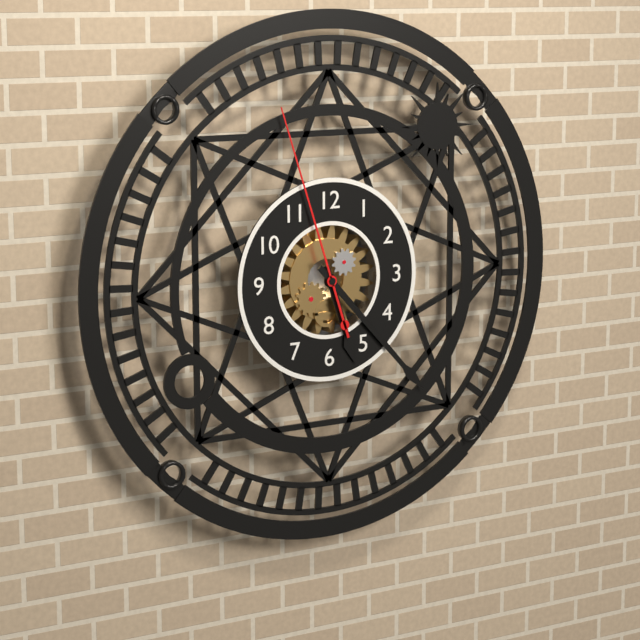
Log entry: 5,23,57
